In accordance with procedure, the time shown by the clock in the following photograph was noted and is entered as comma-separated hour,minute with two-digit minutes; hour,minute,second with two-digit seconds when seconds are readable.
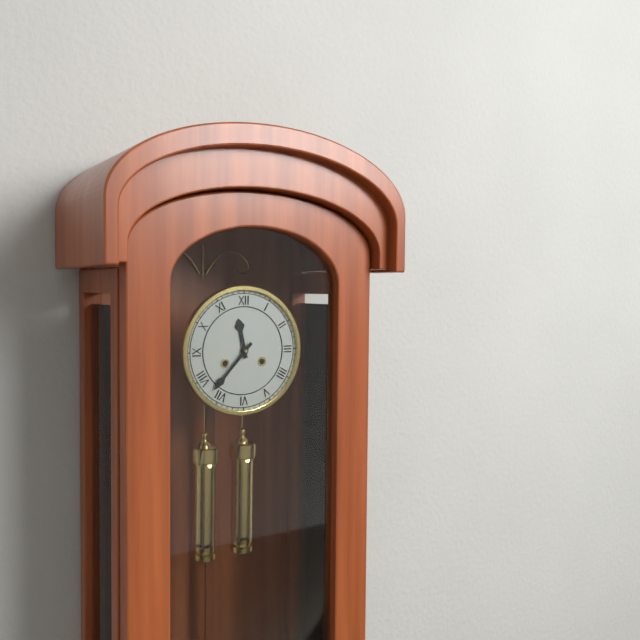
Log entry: 11,37
